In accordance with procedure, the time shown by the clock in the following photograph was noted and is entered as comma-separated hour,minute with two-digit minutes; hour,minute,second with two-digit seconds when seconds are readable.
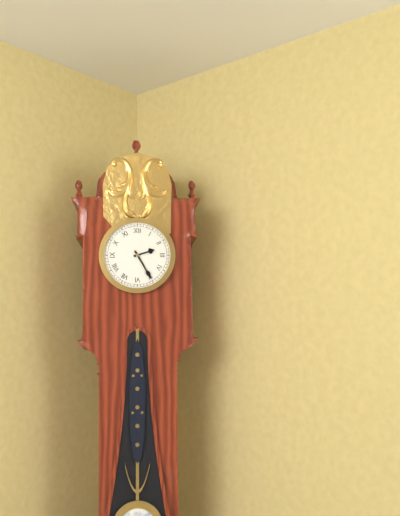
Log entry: 2,25
